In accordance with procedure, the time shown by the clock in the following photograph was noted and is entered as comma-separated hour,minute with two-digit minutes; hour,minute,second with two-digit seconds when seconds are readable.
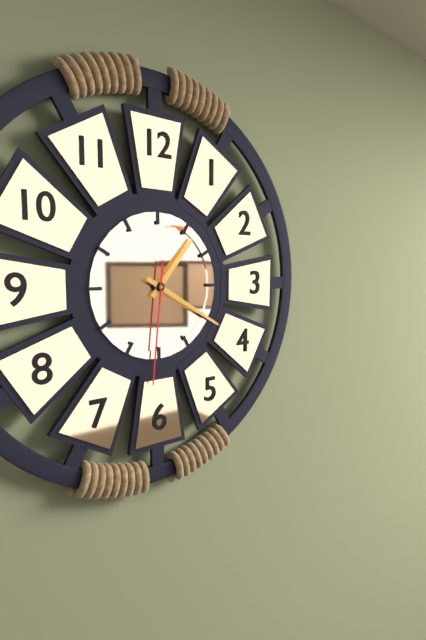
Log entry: 1,20,31
